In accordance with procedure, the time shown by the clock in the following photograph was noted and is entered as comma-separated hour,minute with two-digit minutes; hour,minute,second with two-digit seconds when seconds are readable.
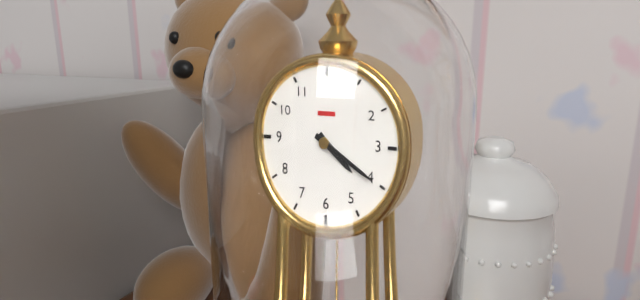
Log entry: 4,20
